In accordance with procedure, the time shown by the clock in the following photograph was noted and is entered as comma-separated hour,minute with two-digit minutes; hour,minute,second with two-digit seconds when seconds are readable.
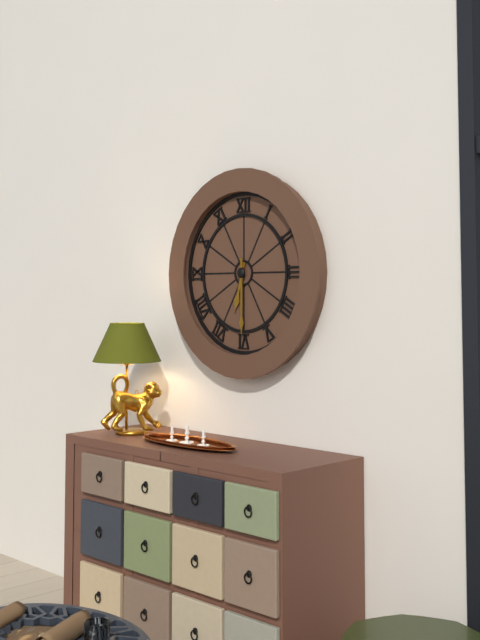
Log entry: 6,30
